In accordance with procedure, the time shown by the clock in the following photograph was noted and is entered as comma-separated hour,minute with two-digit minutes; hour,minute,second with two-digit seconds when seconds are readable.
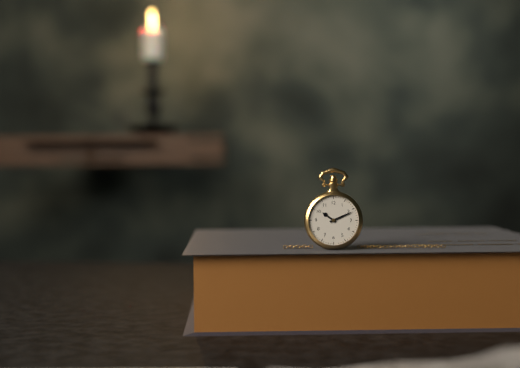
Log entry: 10,11
